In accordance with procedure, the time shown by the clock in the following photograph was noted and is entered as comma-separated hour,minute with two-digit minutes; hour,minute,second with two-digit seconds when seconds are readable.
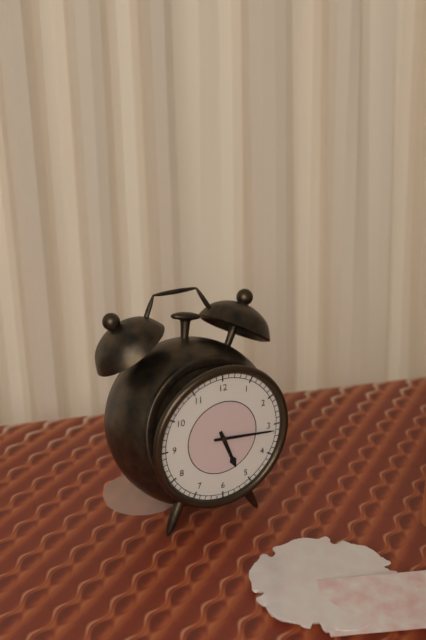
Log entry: 5,16
